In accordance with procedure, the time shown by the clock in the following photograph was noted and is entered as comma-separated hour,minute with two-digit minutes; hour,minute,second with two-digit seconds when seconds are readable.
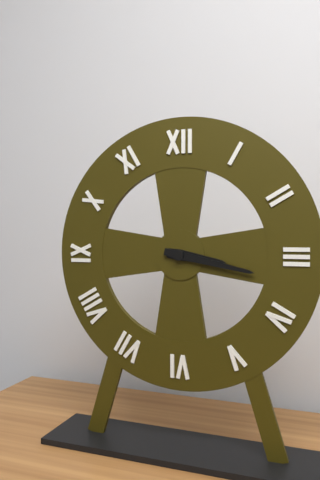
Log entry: 3,17
